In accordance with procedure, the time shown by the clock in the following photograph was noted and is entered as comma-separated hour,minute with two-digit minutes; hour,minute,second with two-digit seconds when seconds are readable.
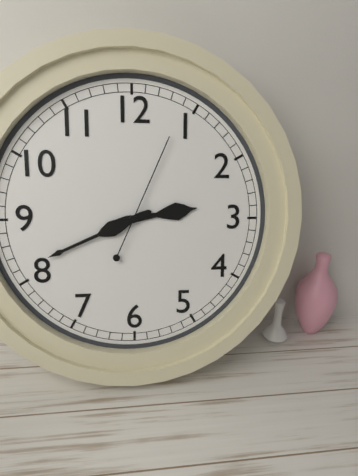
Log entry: 2,41,04
